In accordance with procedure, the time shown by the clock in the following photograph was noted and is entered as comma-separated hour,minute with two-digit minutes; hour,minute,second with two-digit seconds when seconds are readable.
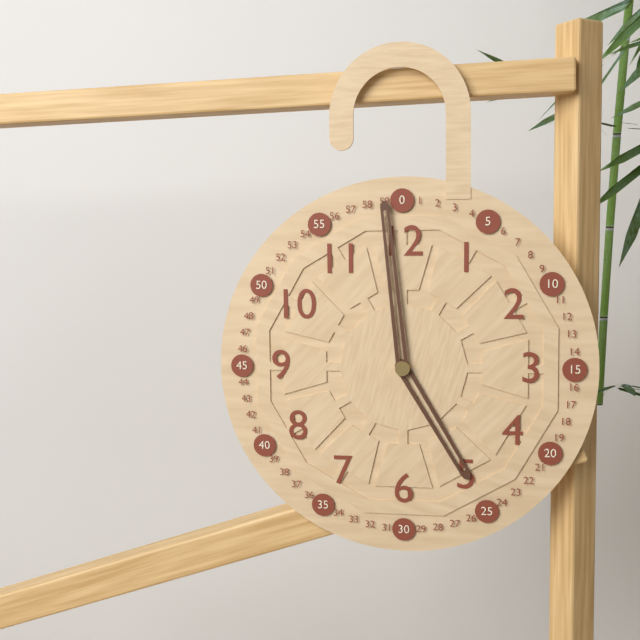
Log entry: 4,59
